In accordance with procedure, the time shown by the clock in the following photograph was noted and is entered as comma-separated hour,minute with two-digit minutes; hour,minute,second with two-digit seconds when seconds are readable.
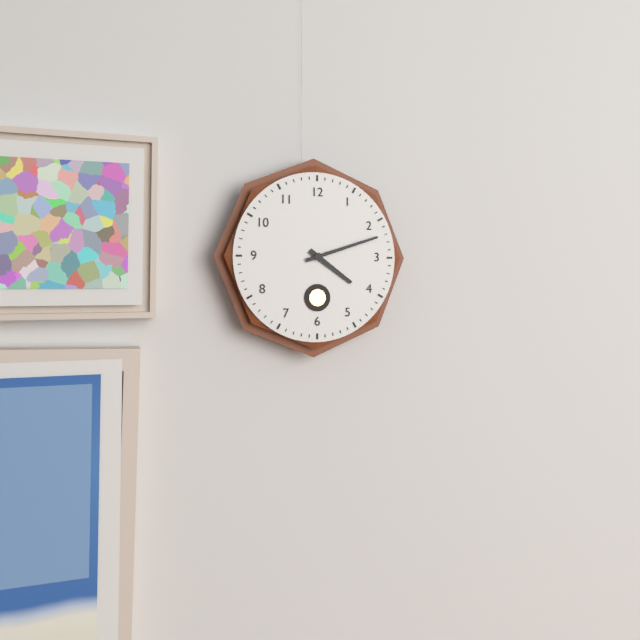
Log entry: 4,12
